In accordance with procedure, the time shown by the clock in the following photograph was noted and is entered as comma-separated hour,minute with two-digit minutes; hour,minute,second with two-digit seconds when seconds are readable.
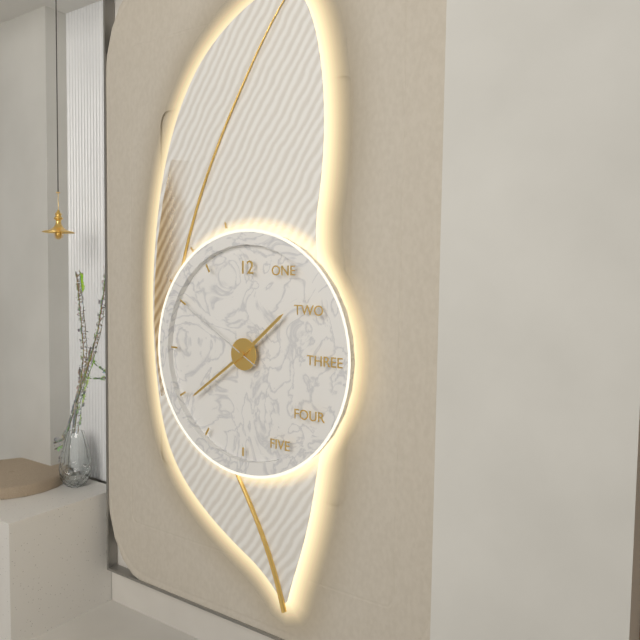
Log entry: 1,39,50
